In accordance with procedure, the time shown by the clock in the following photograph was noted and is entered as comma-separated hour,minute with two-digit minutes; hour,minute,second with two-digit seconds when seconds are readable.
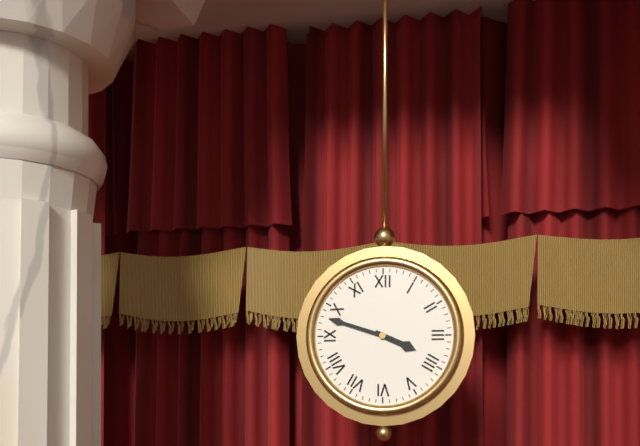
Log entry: 3,48
